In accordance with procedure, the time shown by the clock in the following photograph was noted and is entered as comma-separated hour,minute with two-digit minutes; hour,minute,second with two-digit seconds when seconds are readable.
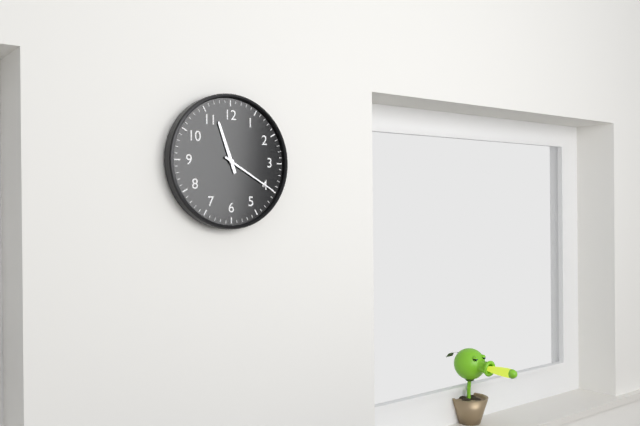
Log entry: 11,20
